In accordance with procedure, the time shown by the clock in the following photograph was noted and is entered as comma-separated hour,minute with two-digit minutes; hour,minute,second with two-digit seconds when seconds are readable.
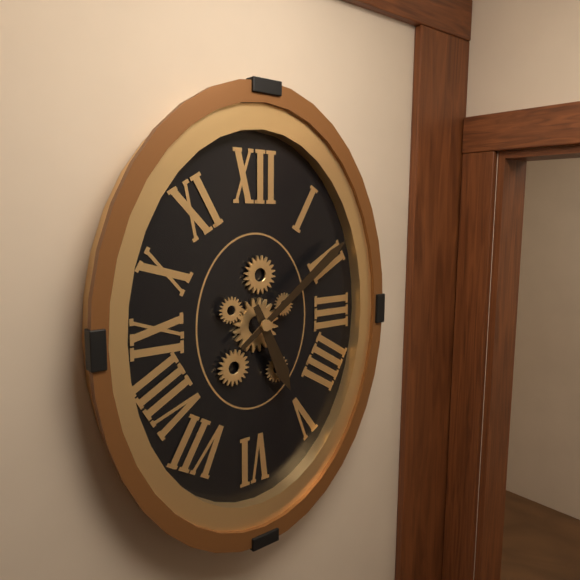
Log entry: 5,09
